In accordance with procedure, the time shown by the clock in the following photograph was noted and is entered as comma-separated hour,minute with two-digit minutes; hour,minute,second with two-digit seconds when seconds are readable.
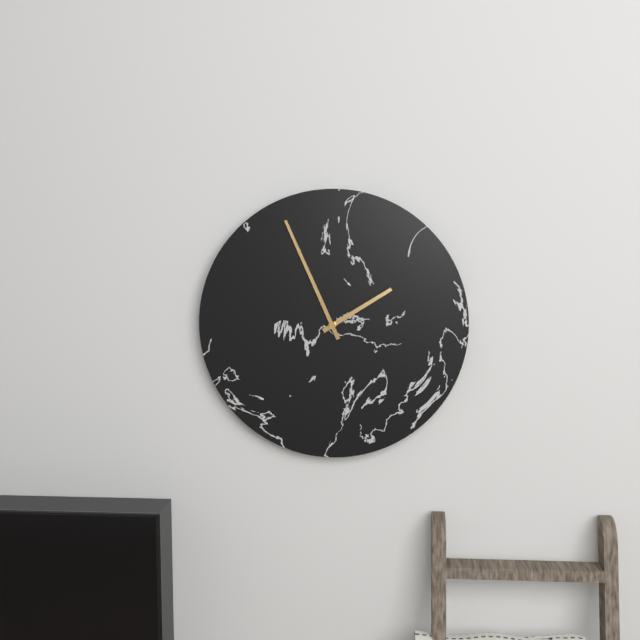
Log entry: 1,56
